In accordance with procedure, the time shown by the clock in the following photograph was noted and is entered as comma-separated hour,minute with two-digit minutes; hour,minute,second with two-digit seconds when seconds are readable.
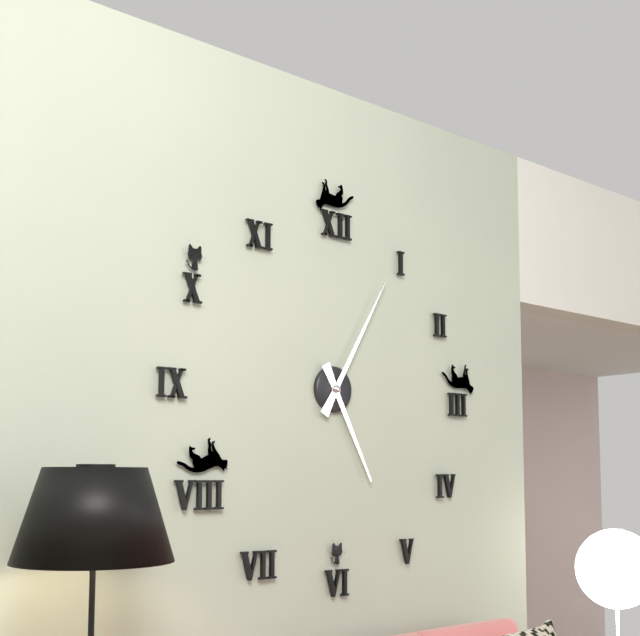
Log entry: 5,05
